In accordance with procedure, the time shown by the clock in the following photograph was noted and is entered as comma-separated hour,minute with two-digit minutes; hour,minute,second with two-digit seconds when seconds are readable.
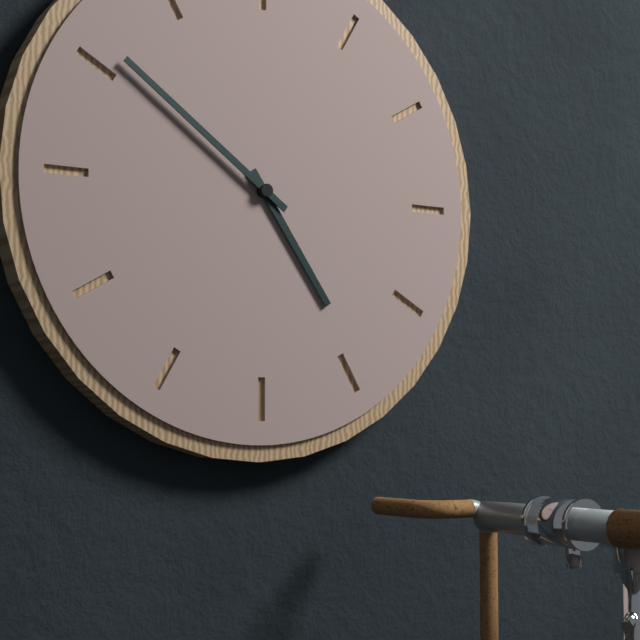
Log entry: 4,51
